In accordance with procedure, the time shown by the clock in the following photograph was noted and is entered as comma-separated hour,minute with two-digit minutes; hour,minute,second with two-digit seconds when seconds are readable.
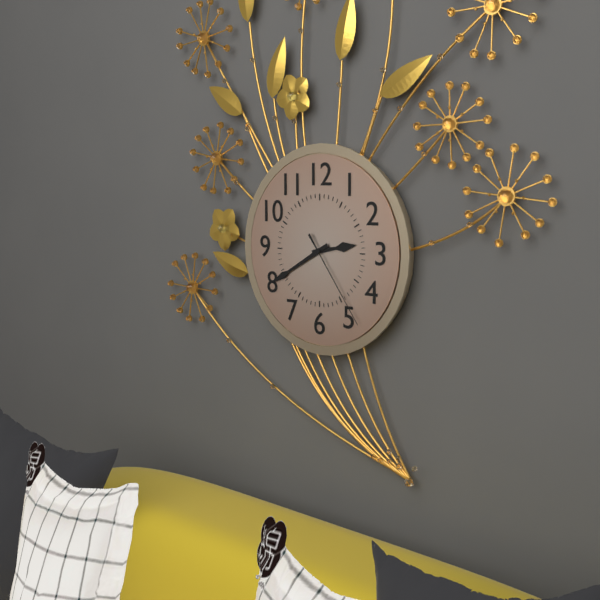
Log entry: 2,40,24
